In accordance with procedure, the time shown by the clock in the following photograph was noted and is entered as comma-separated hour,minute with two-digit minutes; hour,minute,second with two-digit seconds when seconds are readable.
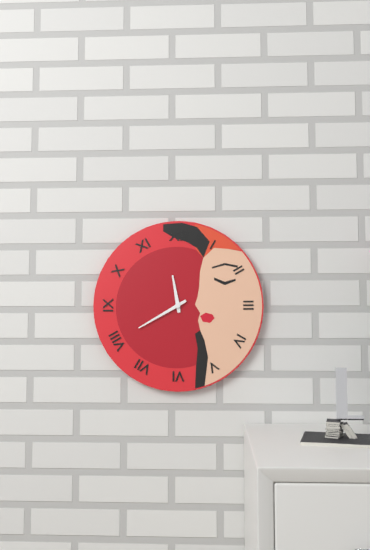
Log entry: 11,40
